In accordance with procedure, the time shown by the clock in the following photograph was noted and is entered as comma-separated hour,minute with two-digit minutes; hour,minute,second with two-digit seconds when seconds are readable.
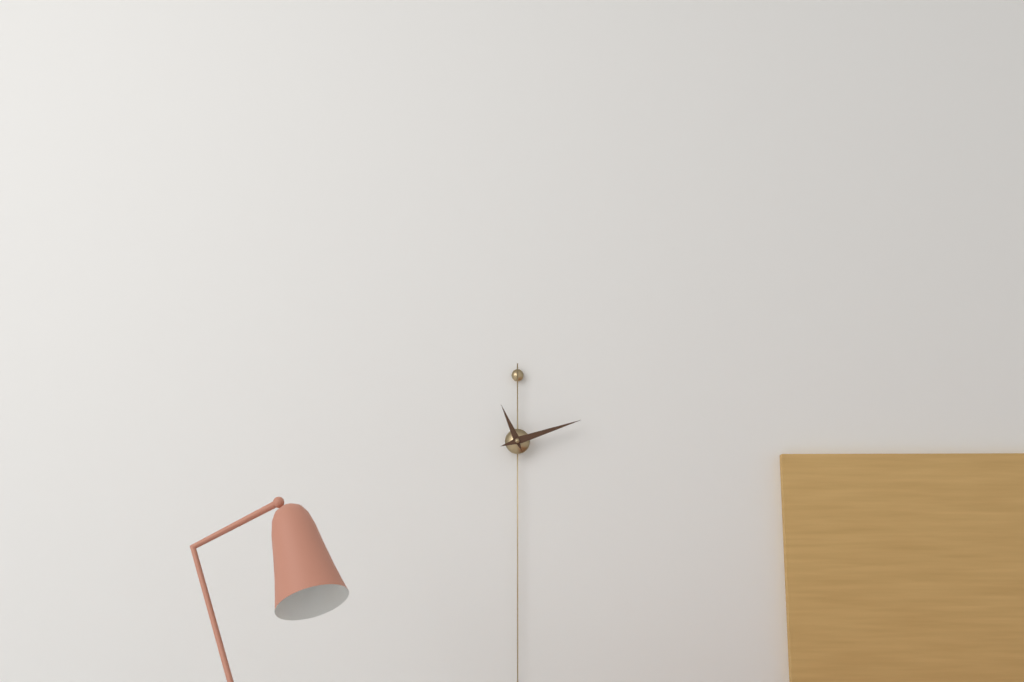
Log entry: 11,12
